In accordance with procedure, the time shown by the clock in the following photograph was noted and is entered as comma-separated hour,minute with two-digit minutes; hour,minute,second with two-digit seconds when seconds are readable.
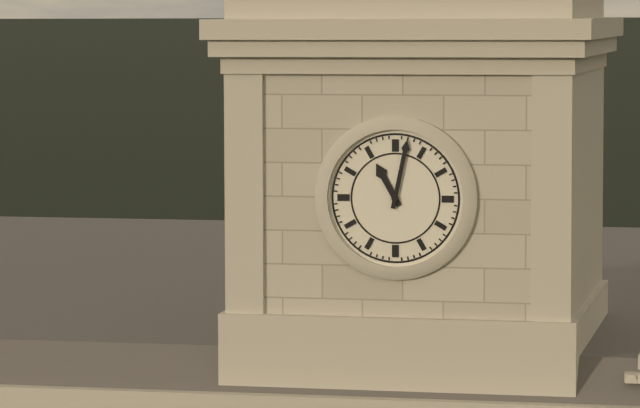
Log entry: 11,02
